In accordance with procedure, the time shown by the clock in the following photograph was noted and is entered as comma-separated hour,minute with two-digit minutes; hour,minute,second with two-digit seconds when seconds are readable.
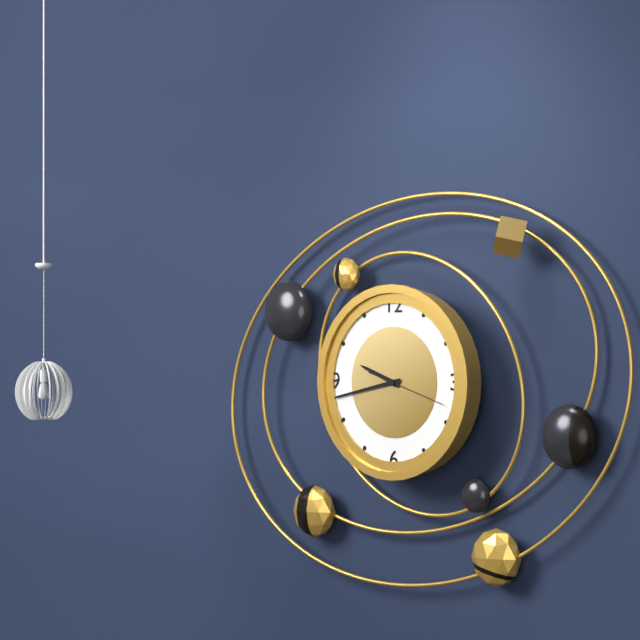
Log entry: 9,43,18
